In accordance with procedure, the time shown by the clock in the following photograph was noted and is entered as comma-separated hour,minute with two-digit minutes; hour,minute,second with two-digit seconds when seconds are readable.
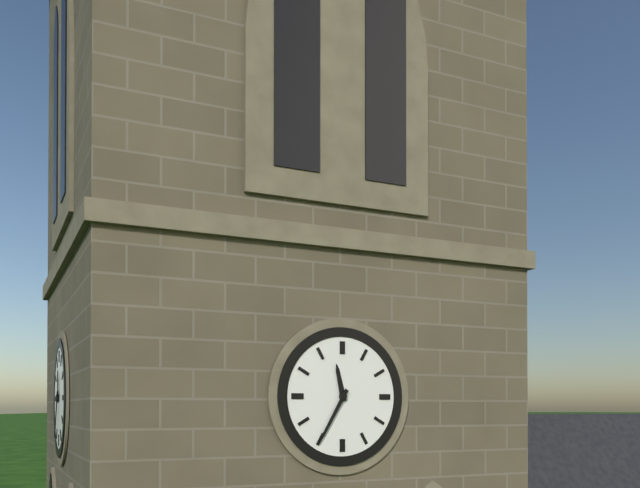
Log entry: 11,35
